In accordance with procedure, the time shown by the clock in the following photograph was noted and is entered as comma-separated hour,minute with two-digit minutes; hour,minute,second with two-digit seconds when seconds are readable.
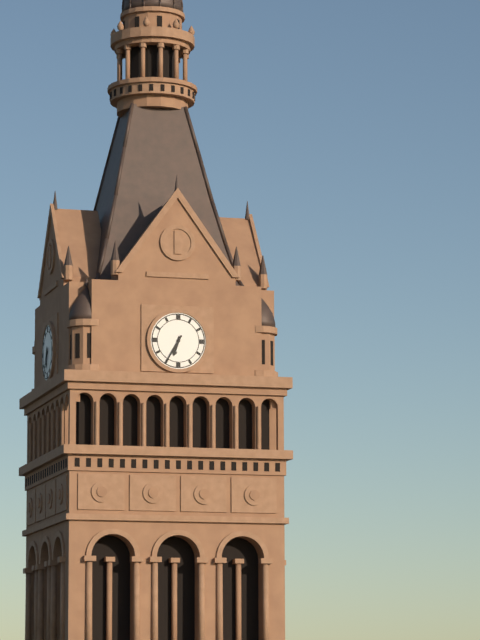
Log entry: 6,35
